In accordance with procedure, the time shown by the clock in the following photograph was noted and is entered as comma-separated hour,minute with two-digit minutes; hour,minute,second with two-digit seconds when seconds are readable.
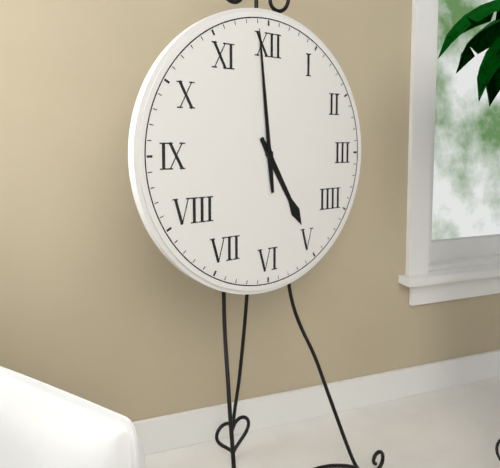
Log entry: 4,59
